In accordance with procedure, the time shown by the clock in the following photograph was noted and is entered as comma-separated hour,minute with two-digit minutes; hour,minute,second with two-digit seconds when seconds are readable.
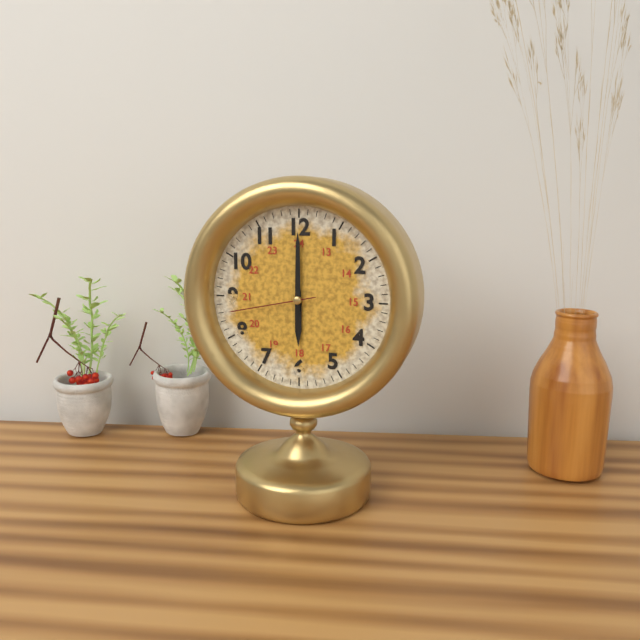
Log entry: 6,00,43
